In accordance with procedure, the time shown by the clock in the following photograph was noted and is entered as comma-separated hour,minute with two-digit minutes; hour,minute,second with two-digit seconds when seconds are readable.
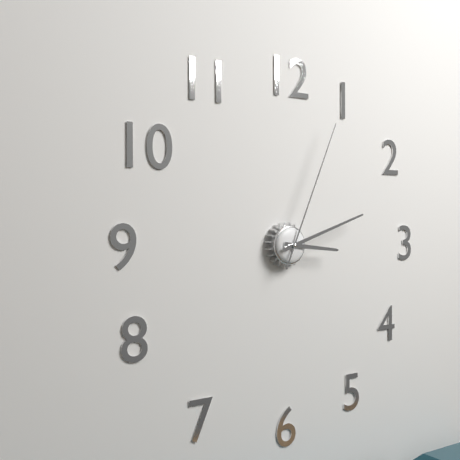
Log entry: 3,12,04
